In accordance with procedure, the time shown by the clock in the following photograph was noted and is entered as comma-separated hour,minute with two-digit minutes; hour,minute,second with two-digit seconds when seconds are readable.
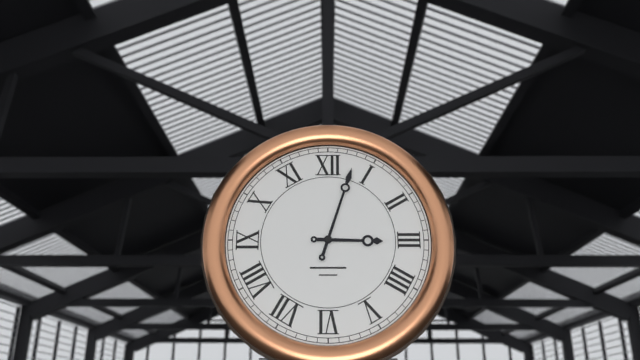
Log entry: 3,03
